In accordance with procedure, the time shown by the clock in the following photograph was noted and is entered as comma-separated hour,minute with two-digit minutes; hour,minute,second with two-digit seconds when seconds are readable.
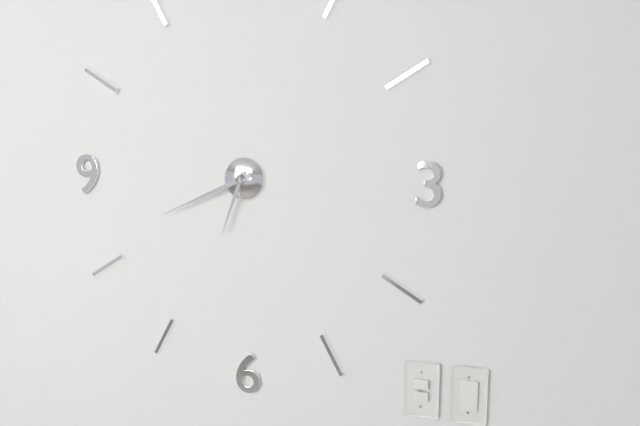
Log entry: 6,41
